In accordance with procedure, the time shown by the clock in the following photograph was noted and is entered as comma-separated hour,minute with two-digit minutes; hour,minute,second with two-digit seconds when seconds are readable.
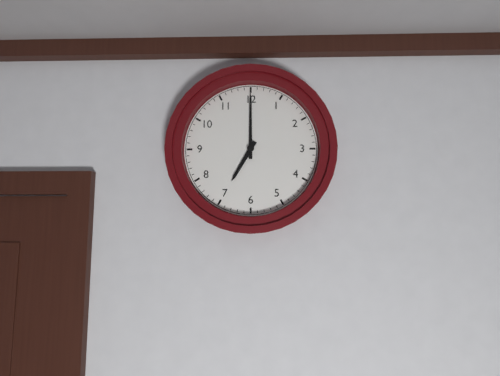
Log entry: 7,00
